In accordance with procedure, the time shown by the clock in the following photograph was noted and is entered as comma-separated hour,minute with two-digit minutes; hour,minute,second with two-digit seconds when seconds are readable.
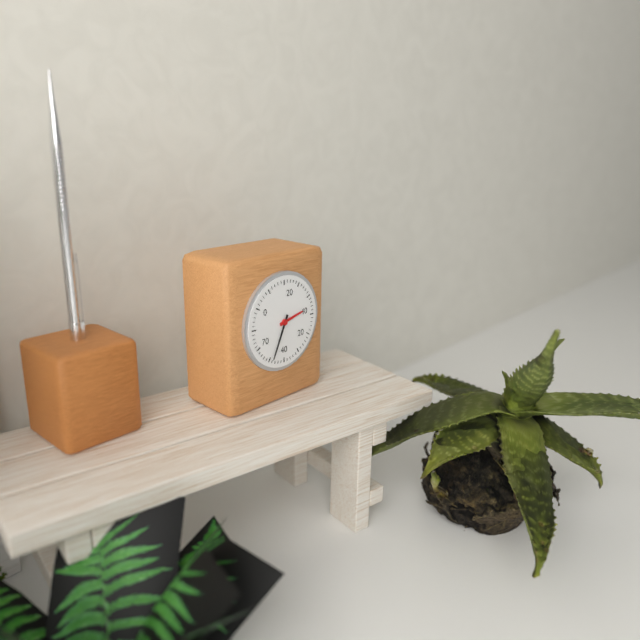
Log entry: 2,34
